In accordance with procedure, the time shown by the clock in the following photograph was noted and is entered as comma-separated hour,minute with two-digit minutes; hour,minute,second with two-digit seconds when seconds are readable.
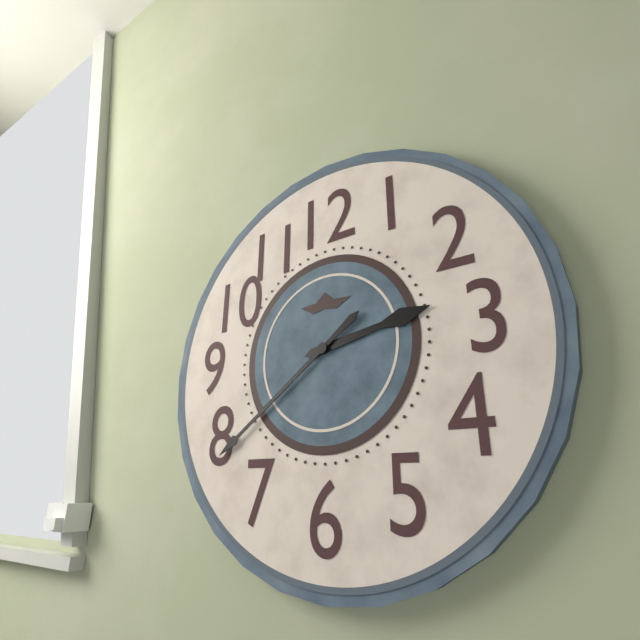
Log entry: 2,39
